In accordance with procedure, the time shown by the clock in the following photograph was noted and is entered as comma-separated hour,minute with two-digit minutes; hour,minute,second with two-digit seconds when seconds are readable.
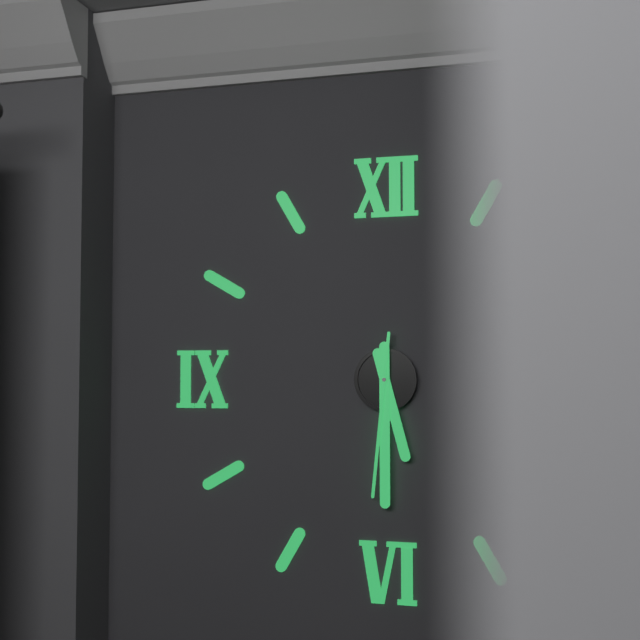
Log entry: 5,30,31
